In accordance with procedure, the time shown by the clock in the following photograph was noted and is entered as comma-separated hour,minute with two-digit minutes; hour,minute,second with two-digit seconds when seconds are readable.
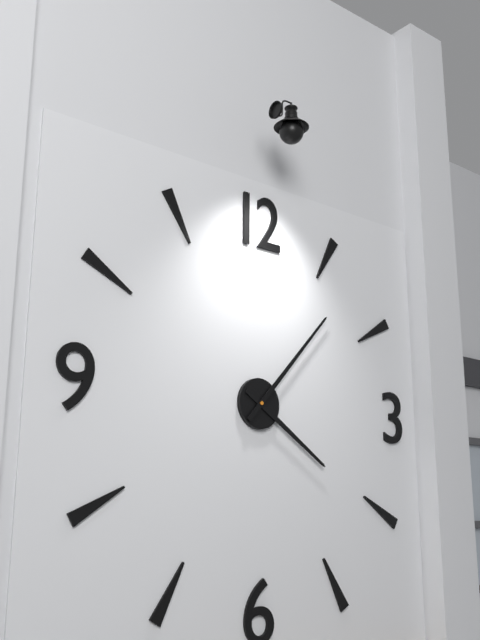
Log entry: 4,07
